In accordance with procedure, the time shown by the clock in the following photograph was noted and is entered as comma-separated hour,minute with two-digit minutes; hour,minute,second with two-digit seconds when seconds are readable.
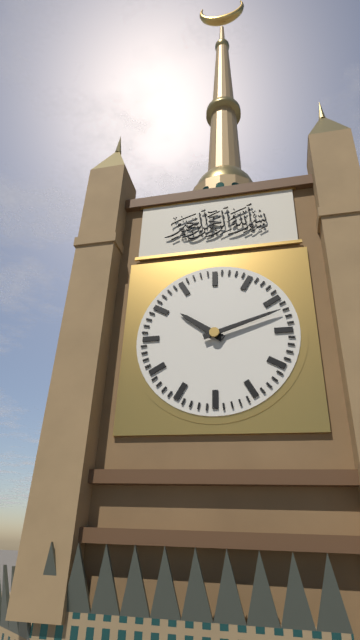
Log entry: 10,12
